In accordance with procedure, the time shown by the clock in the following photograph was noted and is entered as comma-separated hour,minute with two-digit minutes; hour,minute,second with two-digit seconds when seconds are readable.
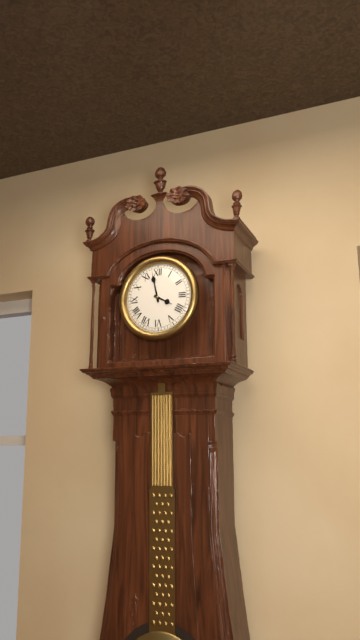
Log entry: 3,58
